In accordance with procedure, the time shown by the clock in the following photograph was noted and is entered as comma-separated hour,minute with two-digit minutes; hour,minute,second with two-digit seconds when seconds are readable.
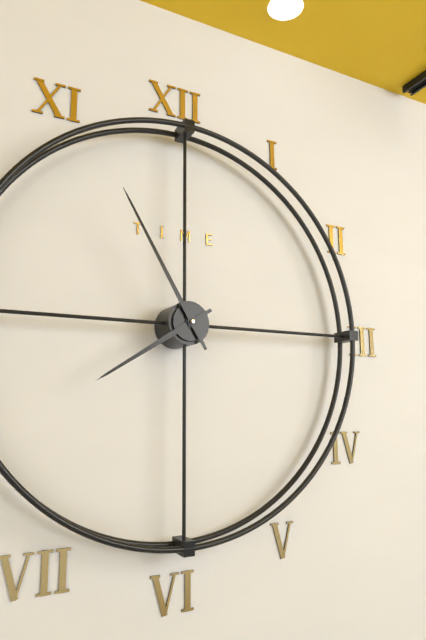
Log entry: 7,55
